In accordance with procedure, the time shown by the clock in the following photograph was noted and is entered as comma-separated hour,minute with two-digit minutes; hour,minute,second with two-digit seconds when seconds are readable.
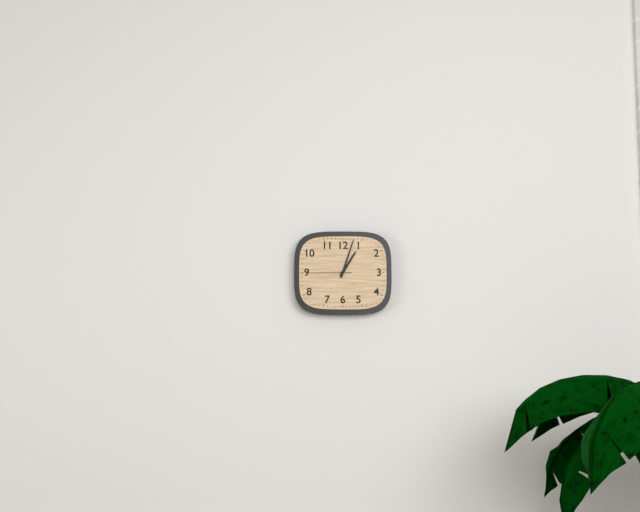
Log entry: 1,03
